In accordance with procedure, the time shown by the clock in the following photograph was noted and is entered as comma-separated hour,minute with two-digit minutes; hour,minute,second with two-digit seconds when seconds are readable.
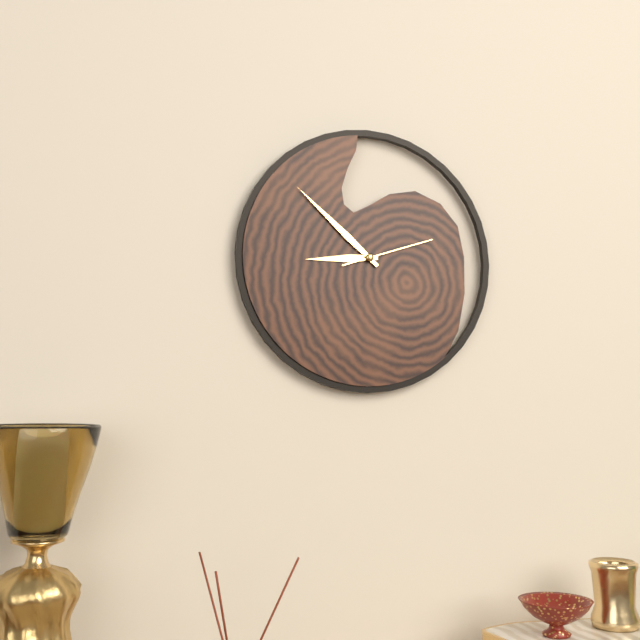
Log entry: 8,52,12
